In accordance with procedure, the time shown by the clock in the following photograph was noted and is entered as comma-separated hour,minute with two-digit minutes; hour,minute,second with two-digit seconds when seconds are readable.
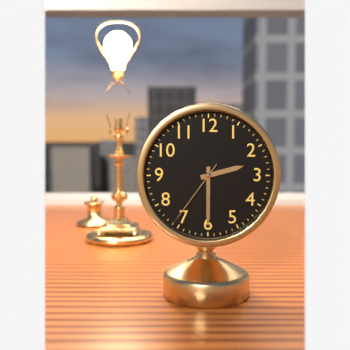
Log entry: 2,30,36
